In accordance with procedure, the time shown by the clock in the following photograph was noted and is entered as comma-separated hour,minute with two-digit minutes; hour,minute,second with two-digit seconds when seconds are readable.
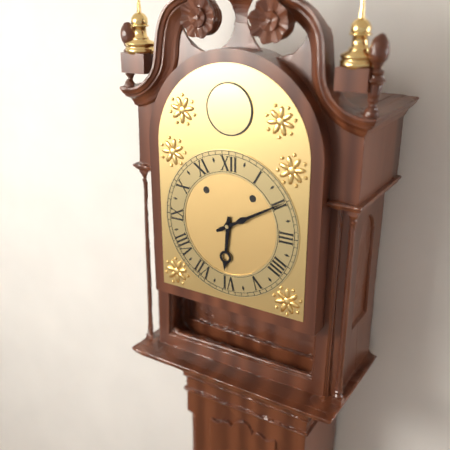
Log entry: 6,10
